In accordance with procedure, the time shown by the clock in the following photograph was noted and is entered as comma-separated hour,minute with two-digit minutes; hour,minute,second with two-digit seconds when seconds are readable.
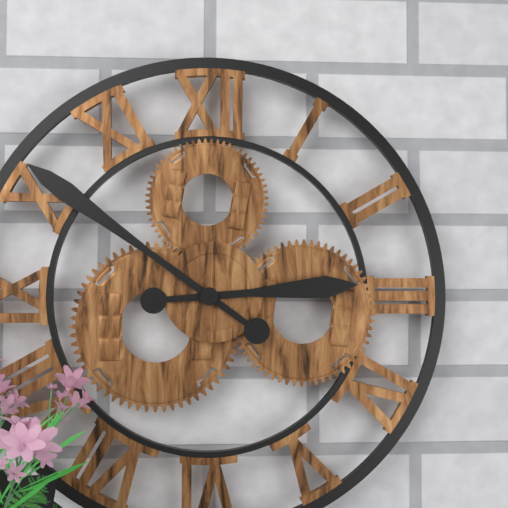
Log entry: 2,51
